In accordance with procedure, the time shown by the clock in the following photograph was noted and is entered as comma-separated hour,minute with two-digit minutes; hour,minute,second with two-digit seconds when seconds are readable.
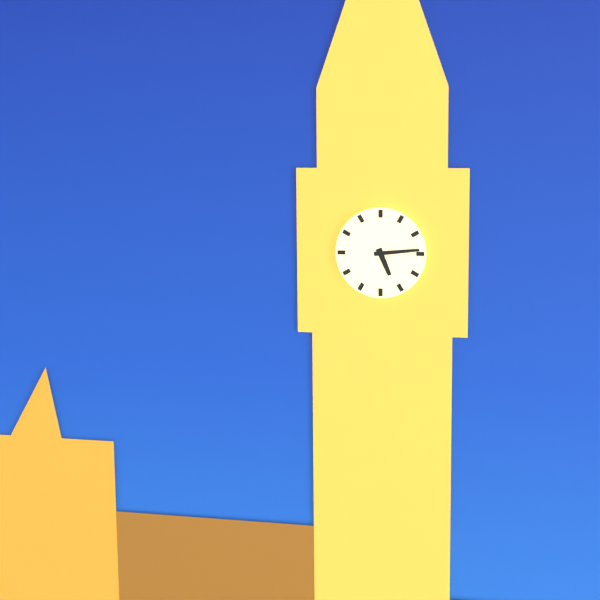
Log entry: 5,14
